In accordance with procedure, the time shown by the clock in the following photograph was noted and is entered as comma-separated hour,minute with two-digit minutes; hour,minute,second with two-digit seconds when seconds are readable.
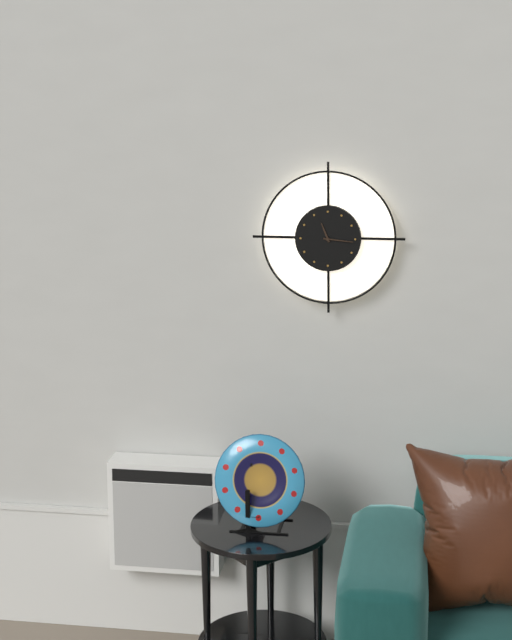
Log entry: 11,16
